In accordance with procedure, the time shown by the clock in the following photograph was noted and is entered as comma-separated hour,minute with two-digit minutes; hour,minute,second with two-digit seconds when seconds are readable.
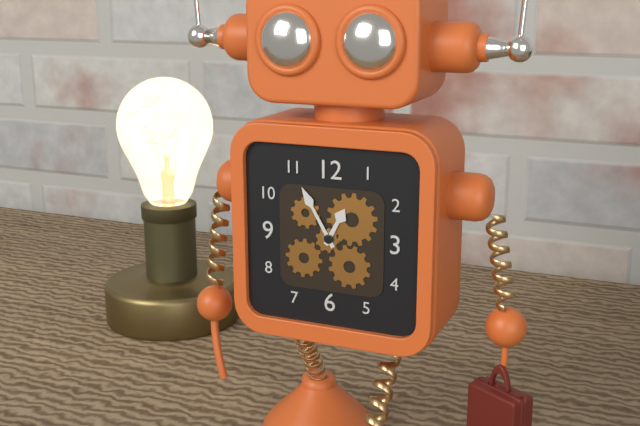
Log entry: 12,55
